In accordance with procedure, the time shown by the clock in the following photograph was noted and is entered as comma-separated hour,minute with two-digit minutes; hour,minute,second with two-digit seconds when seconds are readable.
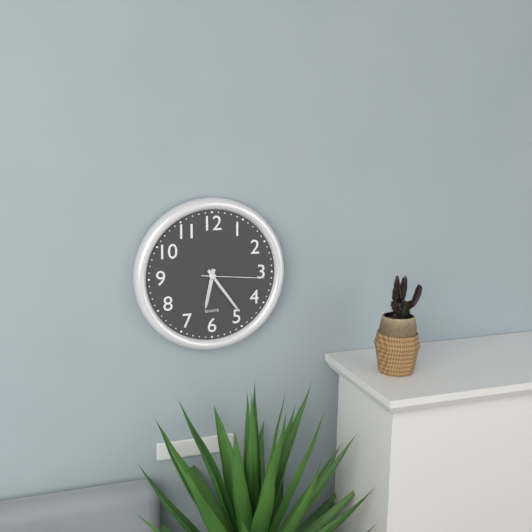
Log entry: 6,24,16
